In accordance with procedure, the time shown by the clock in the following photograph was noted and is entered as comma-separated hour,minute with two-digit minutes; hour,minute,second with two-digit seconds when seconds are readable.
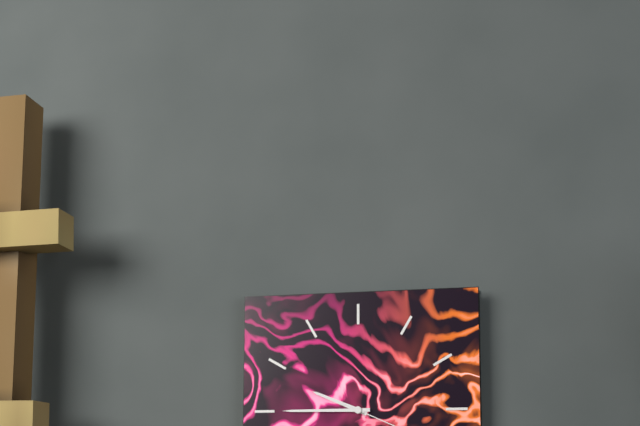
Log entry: 9,45
